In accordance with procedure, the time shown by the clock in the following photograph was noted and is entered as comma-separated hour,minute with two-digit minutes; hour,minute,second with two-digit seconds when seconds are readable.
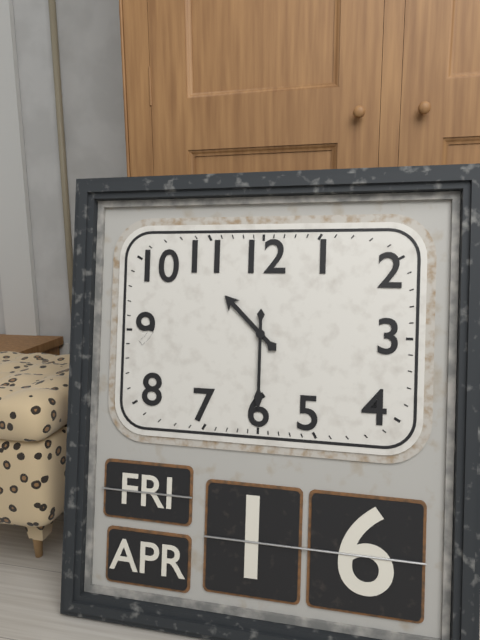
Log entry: 10,30
